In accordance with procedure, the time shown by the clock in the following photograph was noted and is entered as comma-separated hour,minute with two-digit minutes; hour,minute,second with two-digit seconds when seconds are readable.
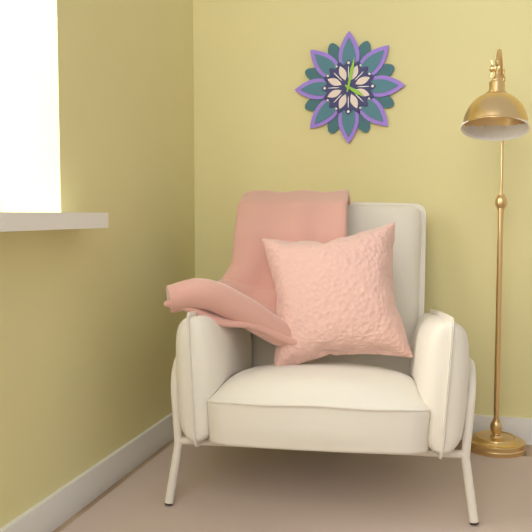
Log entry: 4,02
